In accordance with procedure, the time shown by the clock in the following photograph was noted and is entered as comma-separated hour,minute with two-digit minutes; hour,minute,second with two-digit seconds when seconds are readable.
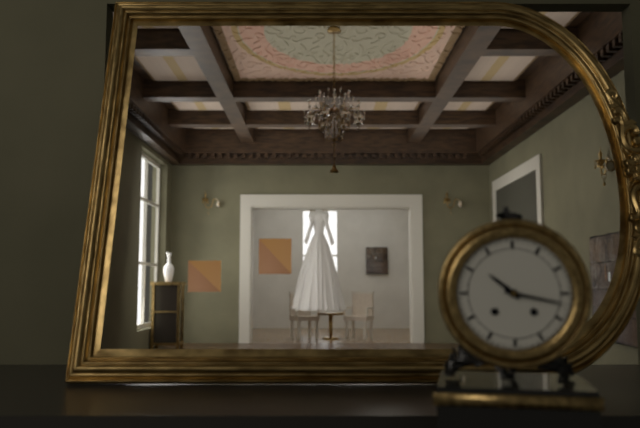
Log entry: 10,17
